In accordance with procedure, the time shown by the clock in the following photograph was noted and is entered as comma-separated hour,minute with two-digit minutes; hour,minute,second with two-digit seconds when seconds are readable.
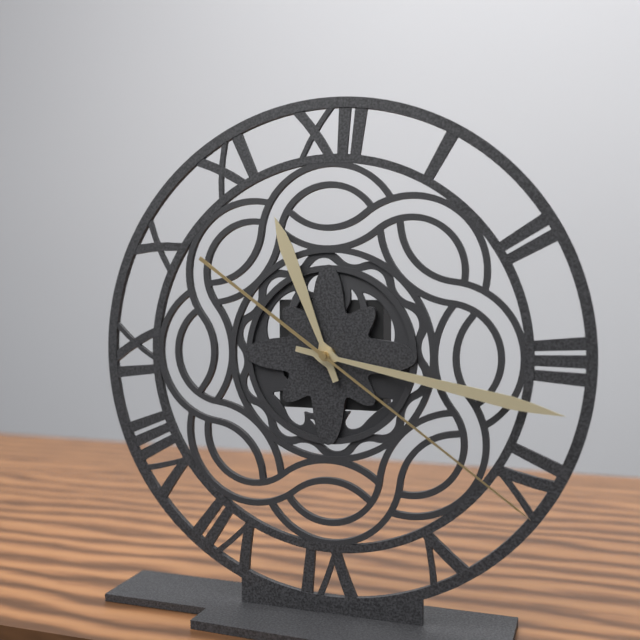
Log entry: 11,17,21
